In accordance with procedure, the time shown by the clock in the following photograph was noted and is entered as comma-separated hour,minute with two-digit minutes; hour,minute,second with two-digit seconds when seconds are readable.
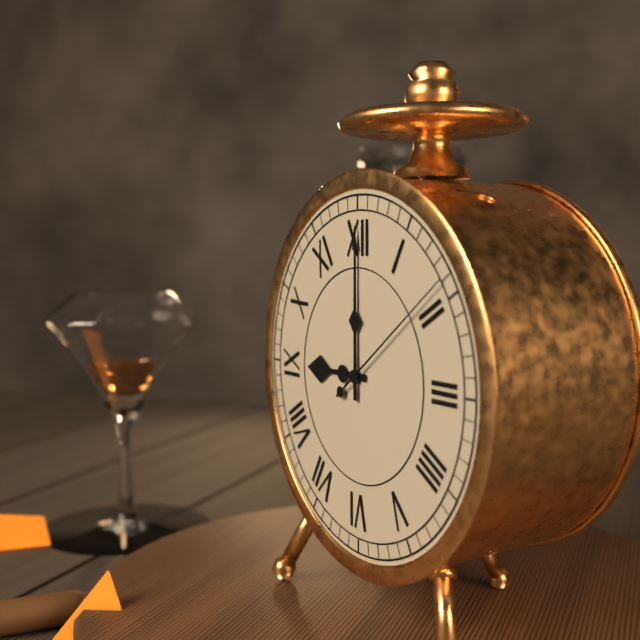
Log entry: 9,00,09
